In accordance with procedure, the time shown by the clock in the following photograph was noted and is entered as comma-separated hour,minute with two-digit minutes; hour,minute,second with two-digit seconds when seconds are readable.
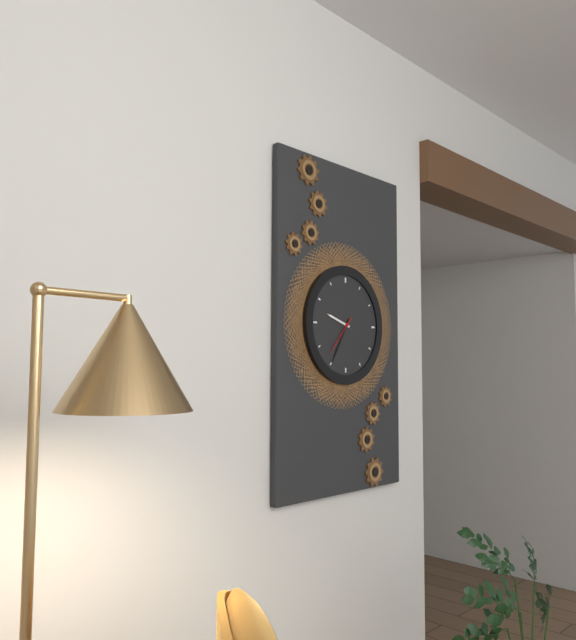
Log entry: 9,35
